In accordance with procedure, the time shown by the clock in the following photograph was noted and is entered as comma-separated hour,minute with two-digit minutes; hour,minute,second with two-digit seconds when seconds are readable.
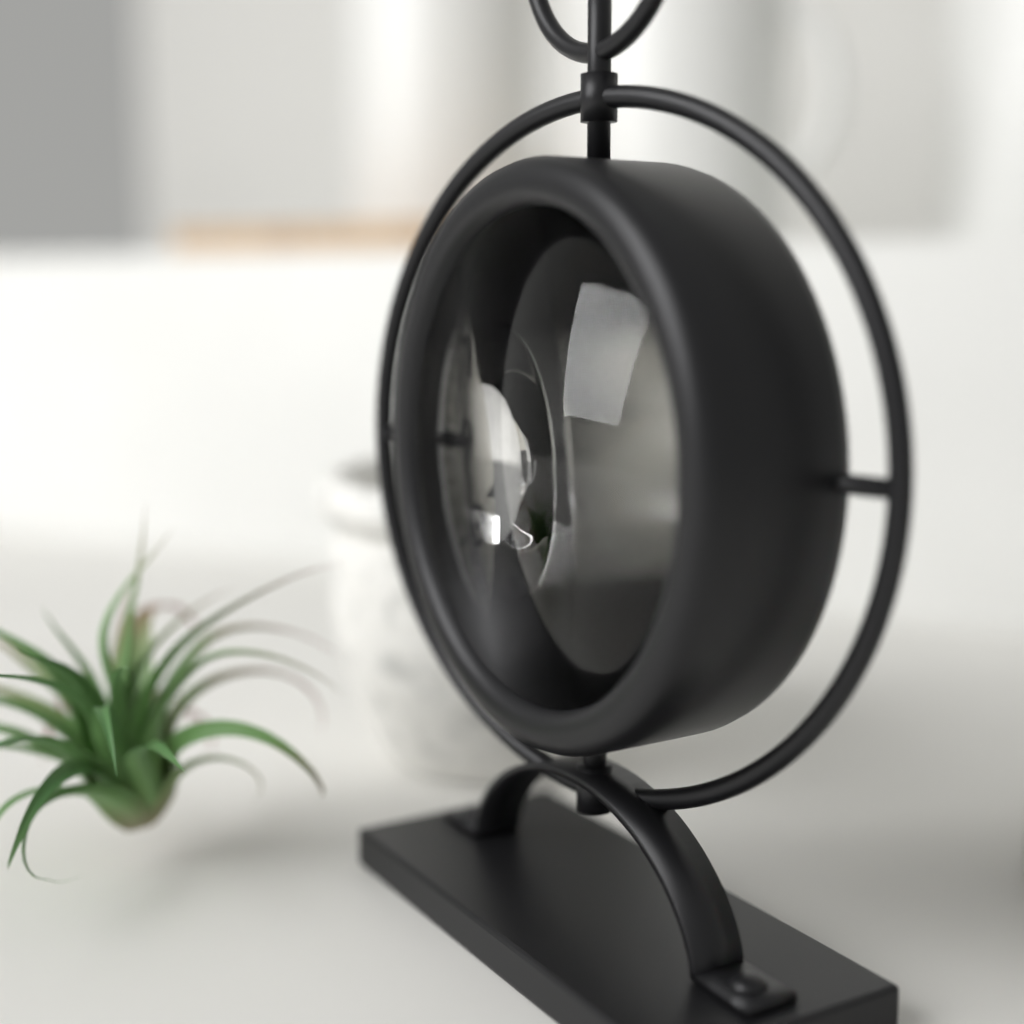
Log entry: 8,14
